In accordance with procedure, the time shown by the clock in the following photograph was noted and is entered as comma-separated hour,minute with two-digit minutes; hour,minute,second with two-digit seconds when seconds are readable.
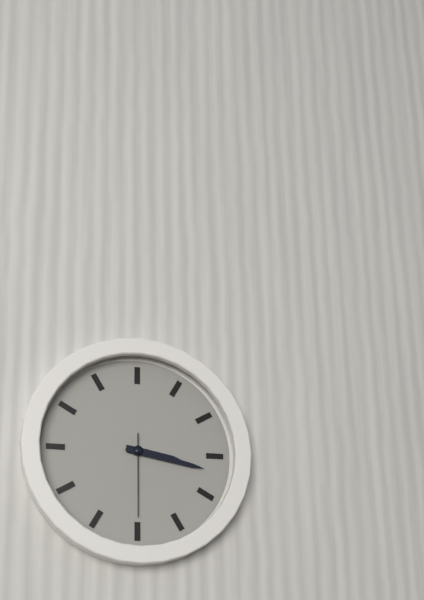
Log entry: 3,17,30
